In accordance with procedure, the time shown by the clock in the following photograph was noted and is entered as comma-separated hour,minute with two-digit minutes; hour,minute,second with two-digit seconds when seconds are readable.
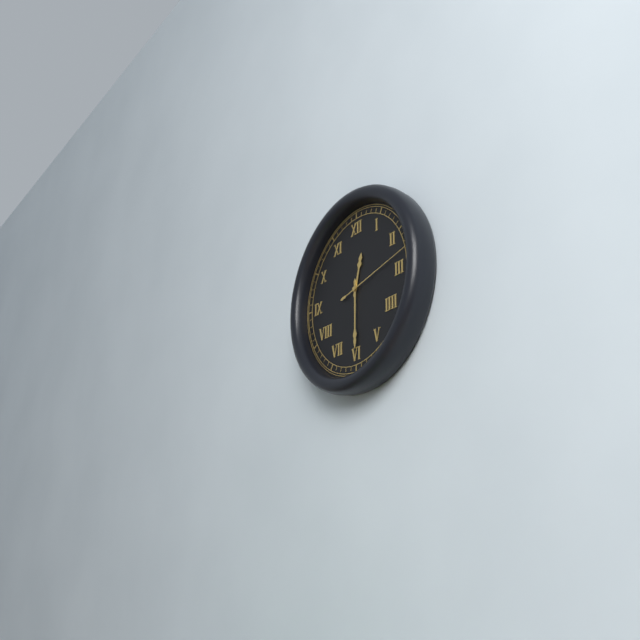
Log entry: 12,30,13
